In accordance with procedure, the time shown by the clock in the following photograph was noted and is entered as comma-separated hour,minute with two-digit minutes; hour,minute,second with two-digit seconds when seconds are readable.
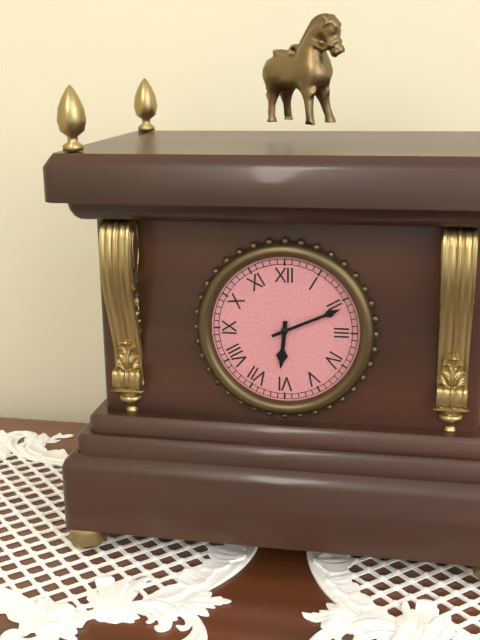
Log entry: 6,11
